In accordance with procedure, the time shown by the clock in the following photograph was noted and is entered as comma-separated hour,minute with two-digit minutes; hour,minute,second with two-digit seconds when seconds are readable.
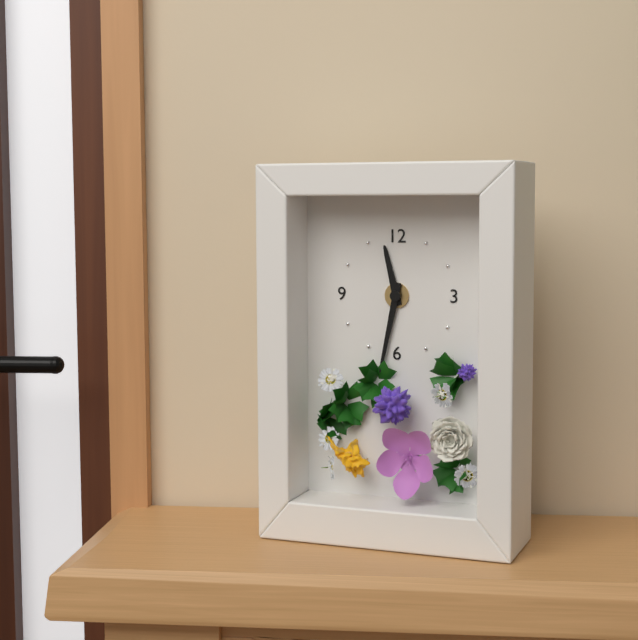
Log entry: 11,32
